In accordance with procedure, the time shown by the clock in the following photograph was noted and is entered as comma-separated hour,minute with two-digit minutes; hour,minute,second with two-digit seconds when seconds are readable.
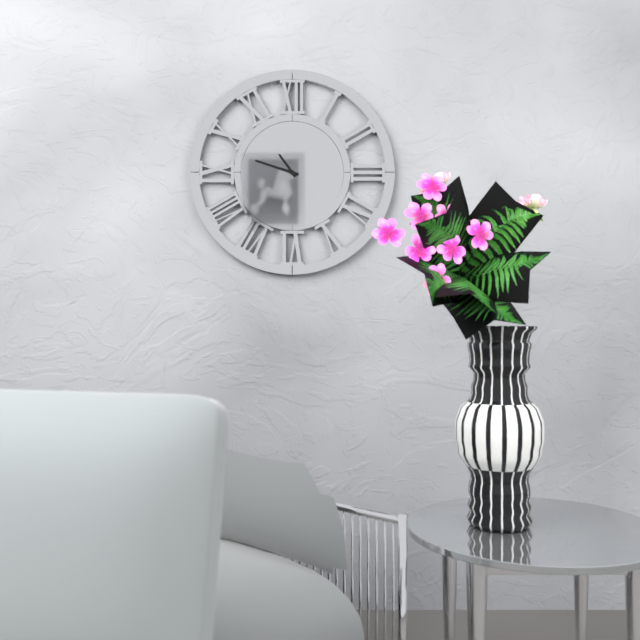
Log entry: 10,48
